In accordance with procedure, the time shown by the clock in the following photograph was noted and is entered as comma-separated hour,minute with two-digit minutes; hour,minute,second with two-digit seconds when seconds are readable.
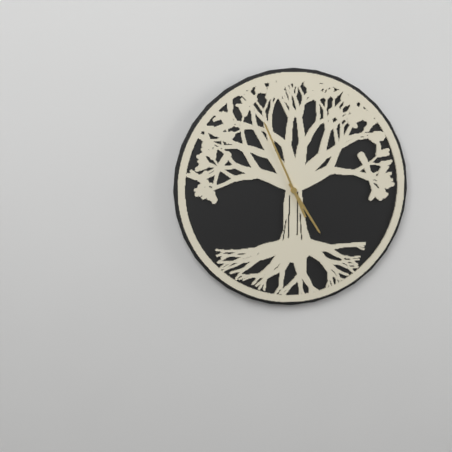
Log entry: 4,56
